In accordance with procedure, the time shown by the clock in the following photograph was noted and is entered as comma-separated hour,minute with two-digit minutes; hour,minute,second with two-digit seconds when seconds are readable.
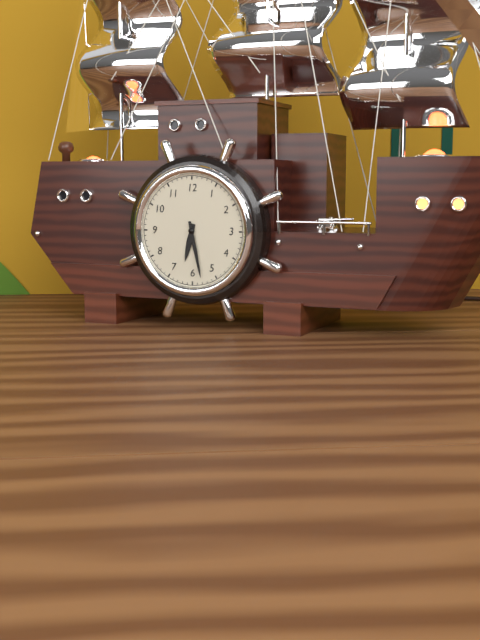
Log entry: 6,28
